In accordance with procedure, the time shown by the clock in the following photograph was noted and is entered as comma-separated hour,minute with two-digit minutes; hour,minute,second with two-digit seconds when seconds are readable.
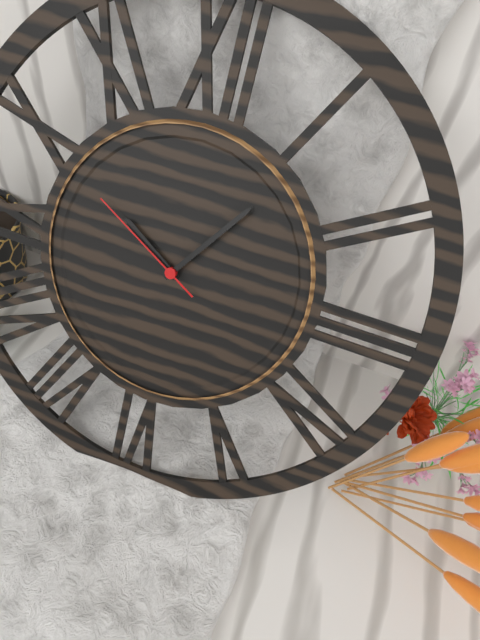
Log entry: 10,06,50
